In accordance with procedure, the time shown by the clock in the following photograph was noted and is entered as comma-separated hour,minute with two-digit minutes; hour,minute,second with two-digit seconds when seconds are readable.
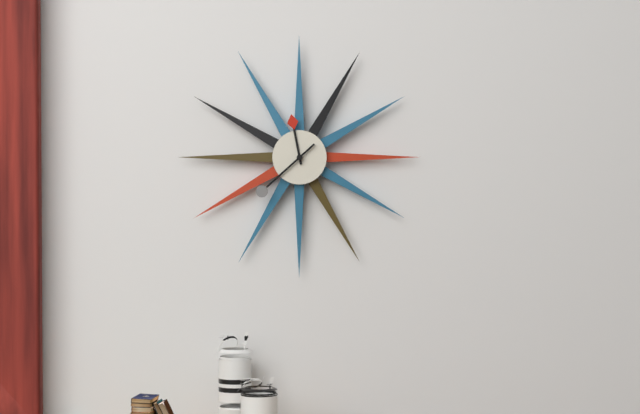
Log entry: 11,38
